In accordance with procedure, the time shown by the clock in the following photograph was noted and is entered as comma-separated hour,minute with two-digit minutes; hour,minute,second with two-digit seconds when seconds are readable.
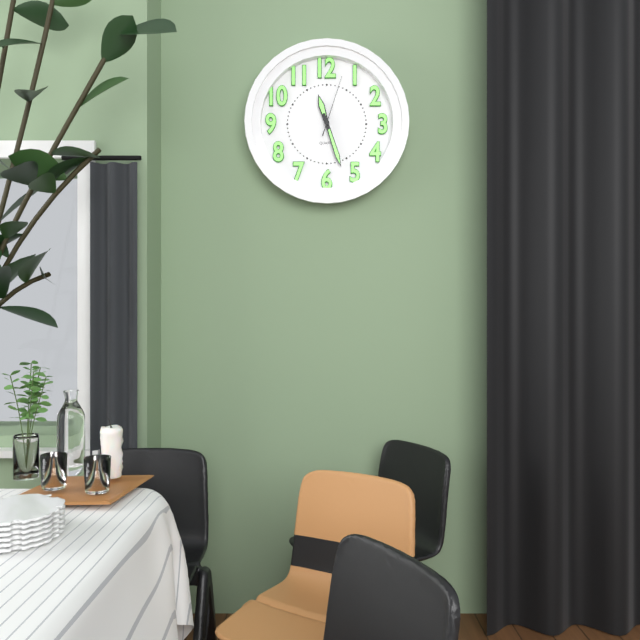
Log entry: 11,27,03
